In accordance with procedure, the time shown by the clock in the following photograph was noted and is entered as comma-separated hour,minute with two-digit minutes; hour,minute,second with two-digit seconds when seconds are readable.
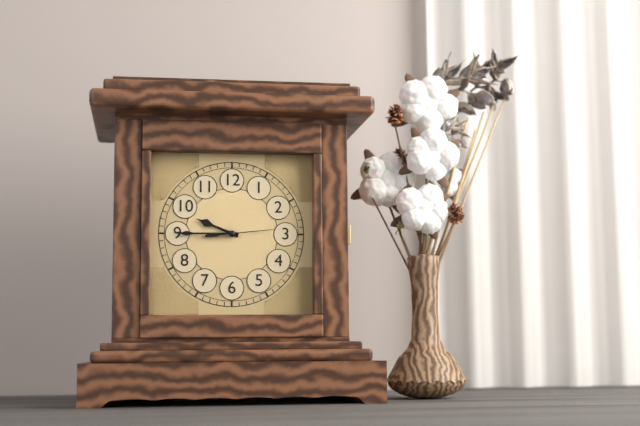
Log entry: 9,45,14
